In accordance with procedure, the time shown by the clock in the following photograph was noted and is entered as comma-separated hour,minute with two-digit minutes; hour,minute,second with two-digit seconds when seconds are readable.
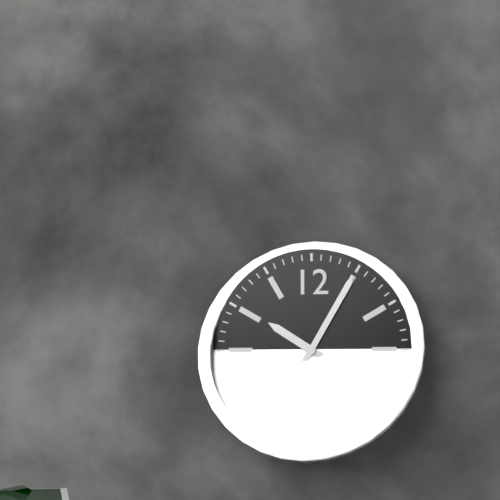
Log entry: 10,05
